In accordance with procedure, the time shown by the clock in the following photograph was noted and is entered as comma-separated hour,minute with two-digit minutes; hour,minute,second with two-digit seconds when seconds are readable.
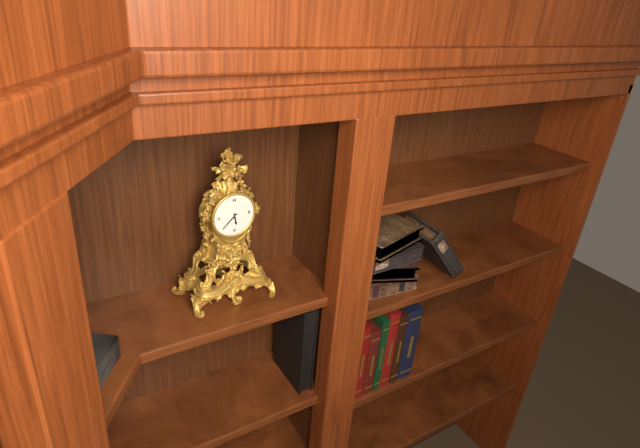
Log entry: 5,38
